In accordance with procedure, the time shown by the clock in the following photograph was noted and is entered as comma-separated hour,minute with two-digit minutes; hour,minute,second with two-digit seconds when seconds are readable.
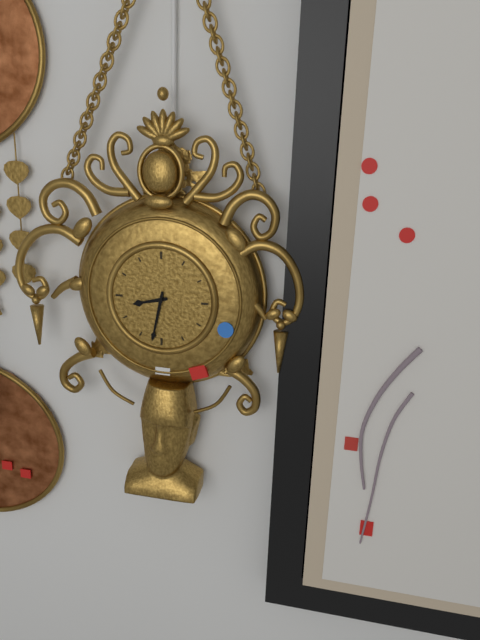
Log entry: 8,32
